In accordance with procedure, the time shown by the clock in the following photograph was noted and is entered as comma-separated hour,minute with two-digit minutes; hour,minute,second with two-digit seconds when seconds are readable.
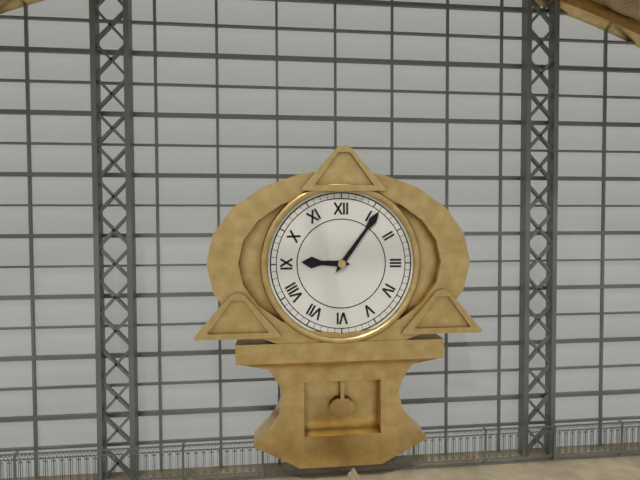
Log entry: 9,06
